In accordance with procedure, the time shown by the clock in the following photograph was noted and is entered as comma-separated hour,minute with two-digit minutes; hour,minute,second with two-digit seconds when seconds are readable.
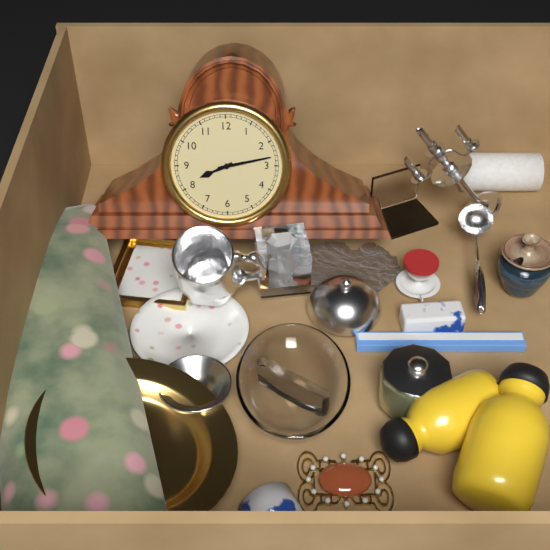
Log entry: 8,13
